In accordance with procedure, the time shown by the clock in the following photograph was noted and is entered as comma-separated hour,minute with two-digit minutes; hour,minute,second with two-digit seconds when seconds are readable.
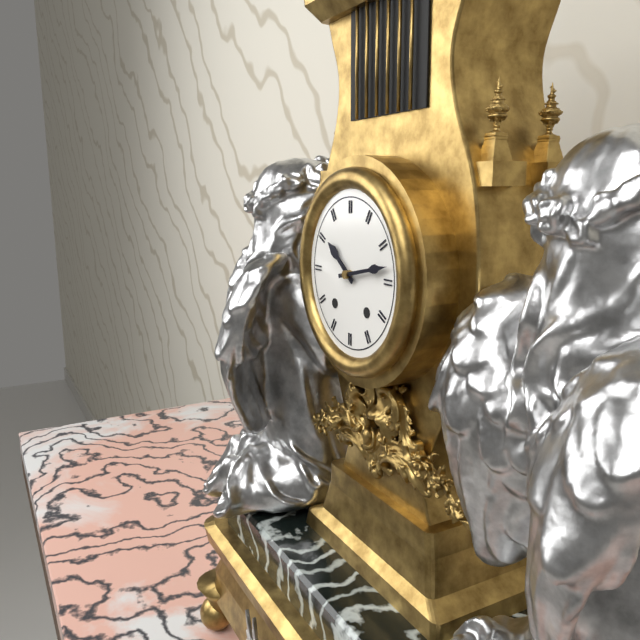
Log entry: 10,13
